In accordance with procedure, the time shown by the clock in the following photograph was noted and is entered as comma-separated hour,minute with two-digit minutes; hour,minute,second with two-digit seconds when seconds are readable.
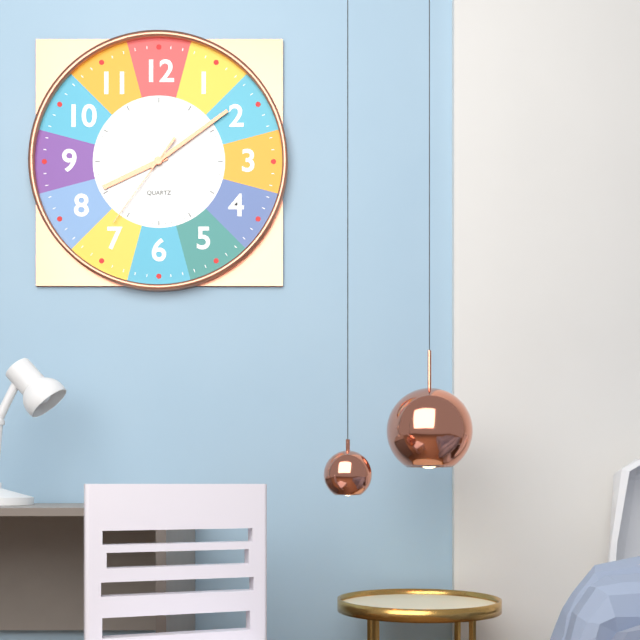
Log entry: 8,09,36
